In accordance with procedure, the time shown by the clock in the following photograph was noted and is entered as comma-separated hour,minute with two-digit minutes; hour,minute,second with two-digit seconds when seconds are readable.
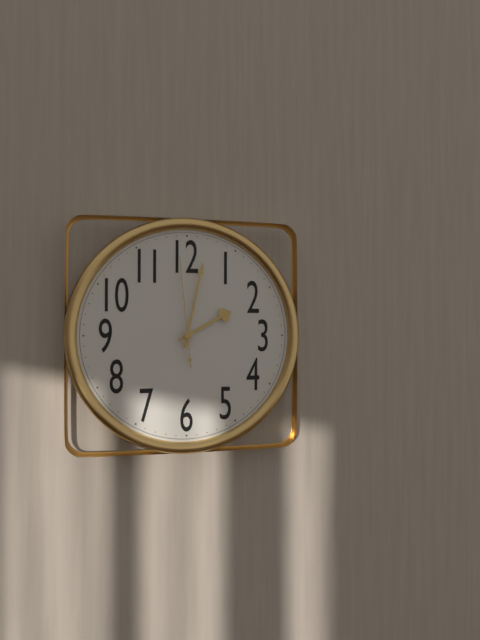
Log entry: 2,02,59
